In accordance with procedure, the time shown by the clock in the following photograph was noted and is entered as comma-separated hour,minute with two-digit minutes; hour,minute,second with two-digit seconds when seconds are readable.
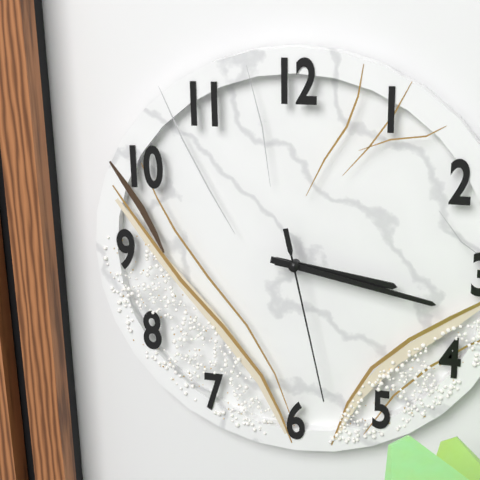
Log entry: 3,17,28
